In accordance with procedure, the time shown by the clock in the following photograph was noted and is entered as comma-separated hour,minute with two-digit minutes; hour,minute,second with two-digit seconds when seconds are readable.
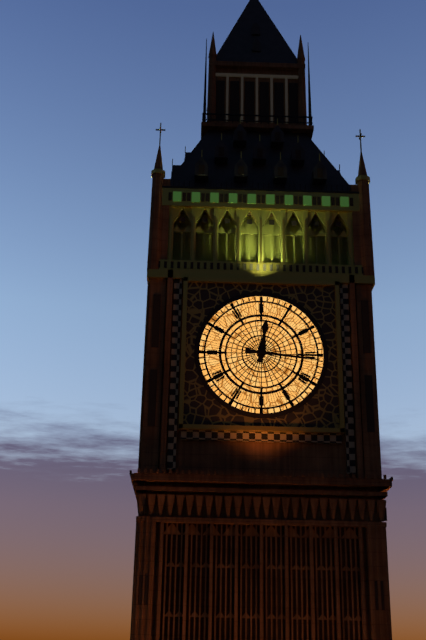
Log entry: 12,16
